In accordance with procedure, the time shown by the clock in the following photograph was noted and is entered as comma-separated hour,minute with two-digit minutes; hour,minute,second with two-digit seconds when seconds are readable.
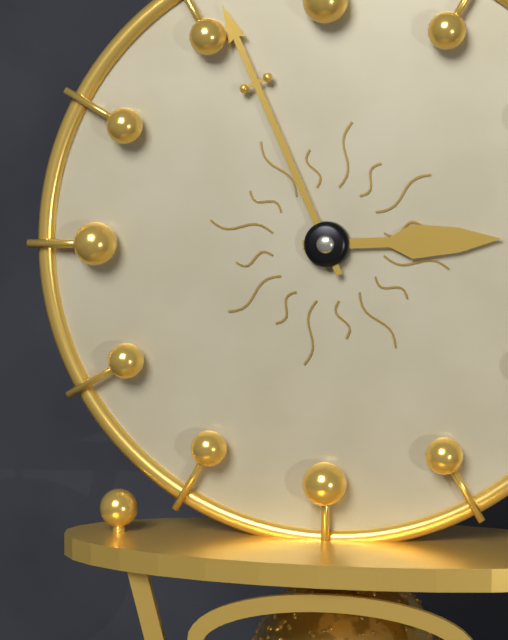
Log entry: 2,56
